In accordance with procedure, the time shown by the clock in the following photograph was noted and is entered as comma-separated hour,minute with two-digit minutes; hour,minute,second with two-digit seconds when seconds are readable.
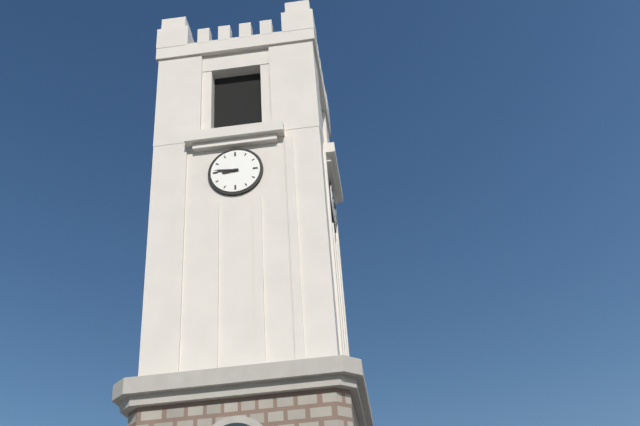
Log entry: 8,46
